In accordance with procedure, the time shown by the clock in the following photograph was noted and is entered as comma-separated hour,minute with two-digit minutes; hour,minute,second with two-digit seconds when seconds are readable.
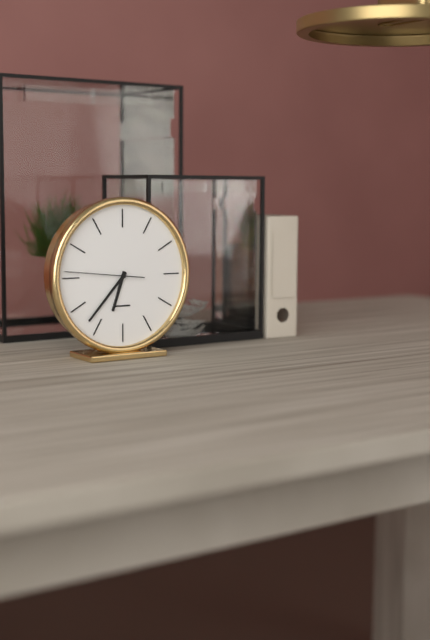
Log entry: 6,37,46
